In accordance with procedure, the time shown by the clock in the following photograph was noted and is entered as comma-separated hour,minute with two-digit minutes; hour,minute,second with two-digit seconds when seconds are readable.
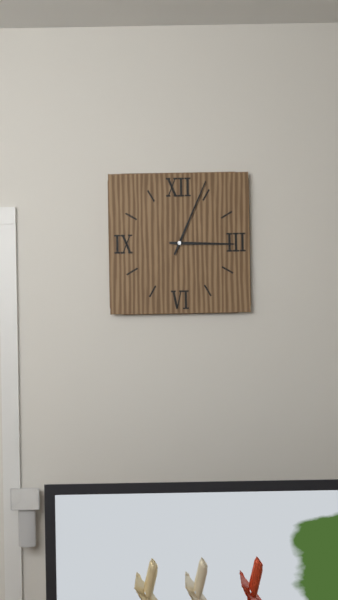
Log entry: 3,04
